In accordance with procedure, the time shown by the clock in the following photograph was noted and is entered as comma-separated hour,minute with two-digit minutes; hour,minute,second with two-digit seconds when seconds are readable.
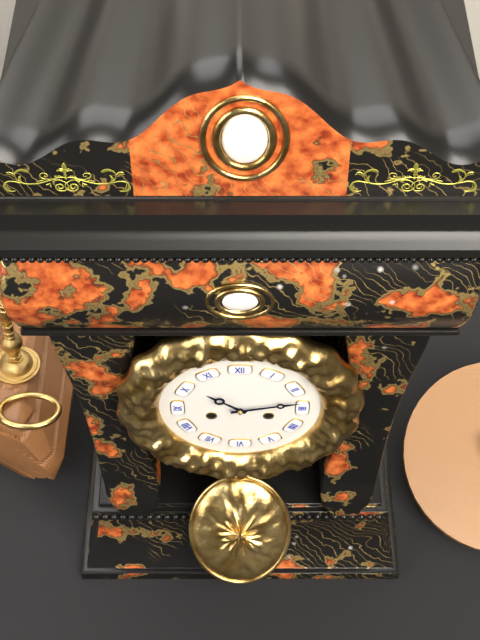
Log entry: 10,13
